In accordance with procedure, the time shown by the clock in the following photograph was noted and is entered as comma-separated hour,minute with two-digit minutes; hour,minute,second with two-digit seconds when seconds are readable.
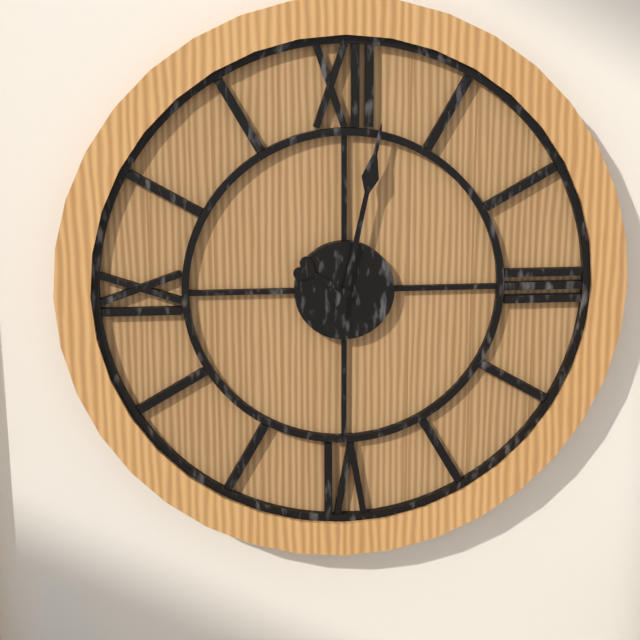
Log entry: 10,02
